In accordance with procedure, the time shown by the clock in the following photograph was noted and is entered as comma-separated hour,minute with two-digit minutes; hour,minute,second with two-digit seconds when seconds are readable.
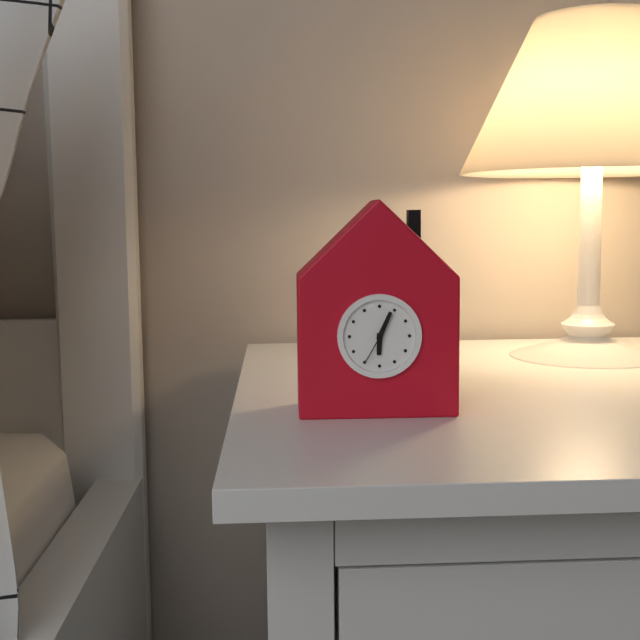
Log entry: 6,04
